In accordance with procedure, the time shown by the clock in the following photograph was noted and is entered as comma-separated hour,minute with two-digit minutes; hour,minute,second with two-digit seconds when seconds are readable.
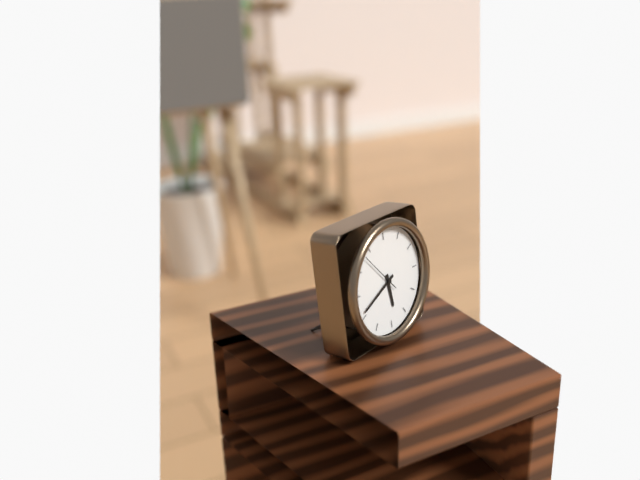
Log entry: 5,41
